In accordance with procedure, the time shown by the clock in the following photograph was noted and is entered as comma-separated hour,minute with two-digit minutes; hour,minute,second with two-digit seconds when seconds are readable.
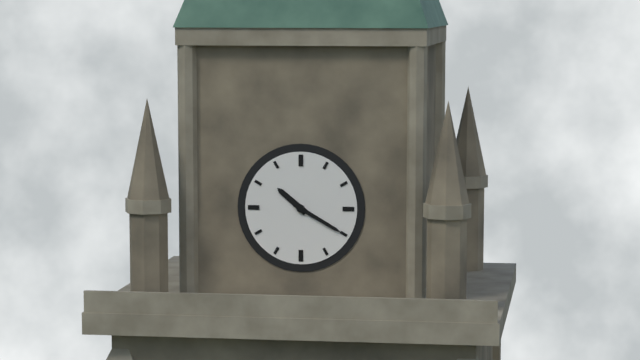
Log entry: 10,20
